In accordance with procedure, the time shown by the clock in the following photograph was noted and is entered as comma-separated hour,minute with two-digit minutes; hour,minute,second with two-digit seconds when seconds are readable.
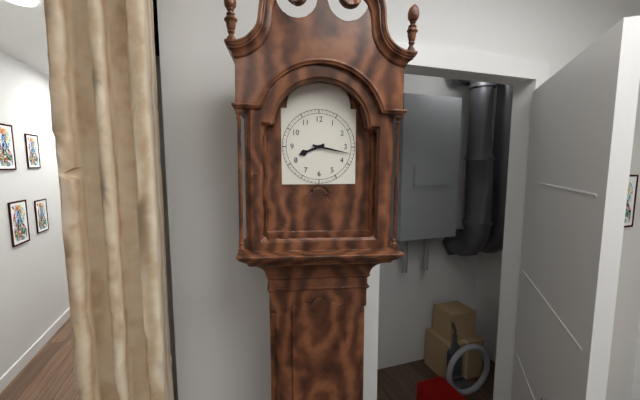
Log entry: 8,17
